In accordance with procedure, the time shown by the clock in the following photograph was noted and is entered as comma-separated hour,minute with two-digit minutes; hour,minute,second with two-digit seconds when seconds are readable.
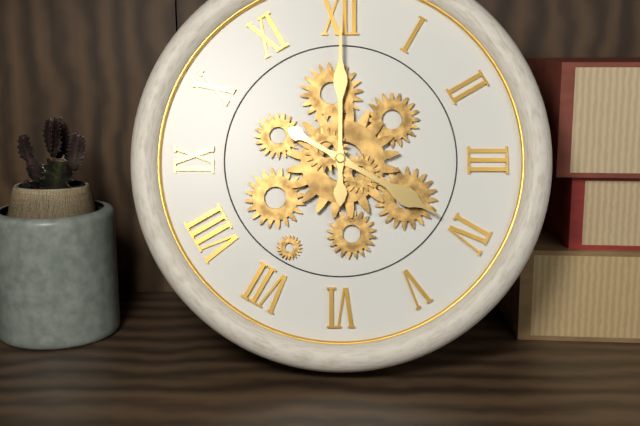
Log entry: 4,00
